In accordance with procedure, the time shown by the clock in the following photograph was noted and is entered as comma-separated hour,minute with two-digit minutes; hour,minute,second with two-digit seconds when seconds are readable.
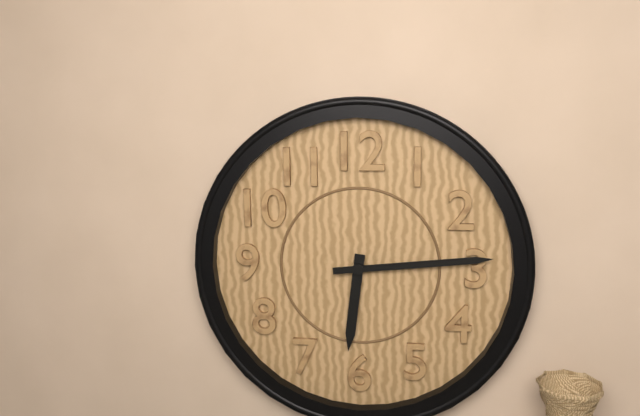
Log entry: 6,14
